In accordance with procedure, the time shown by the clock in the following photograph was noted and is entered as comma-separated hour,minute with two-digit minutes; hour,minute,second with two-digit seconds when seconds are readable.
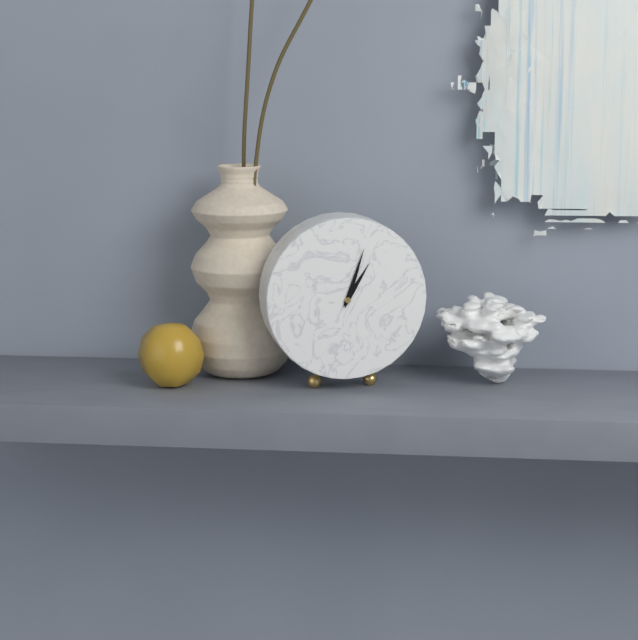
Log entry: 1,03
